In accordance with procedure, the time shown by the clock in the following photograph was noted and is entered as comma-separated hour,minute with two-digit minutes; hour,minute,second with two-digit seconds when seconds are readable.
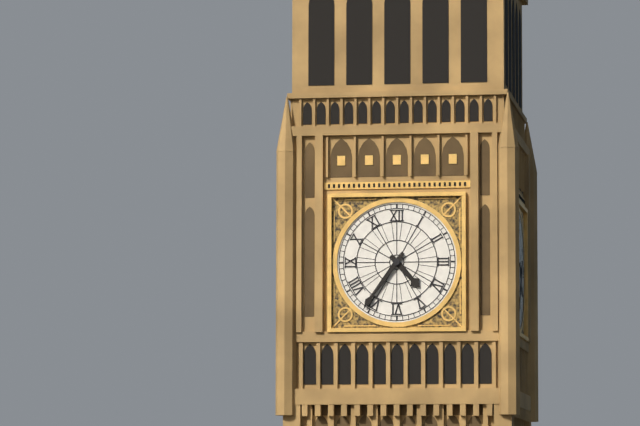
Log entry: 4,36
